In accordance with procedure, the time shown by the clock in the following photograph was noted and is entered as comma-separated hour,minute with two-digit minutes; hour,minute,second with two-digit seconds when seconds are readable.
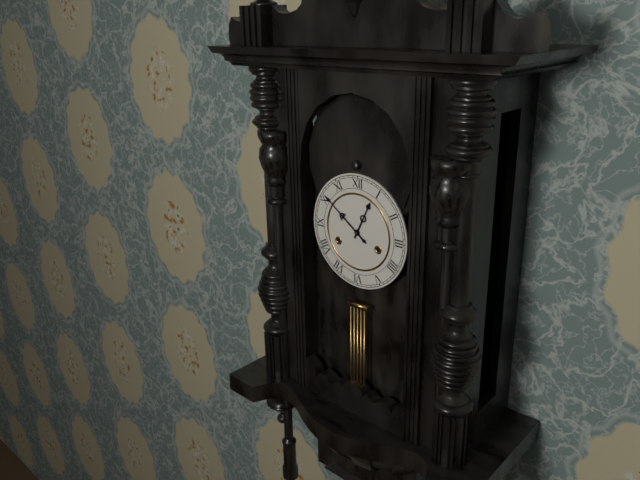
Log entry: 12,51
